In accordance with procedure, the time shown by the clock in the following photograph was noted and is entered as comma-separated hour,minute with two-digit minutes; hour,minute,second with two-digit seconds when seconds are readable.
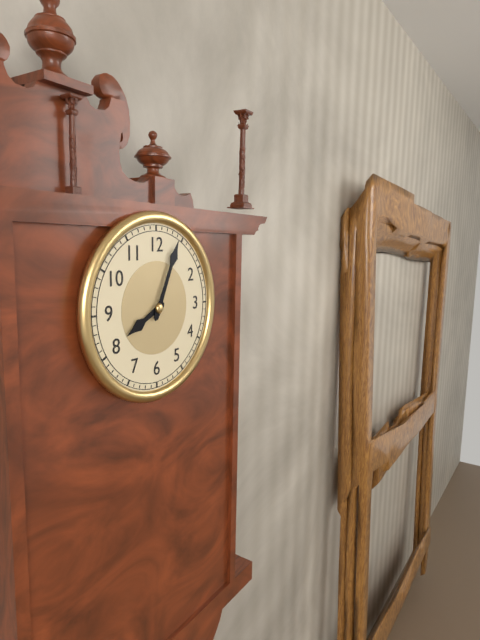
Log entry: 8,04
